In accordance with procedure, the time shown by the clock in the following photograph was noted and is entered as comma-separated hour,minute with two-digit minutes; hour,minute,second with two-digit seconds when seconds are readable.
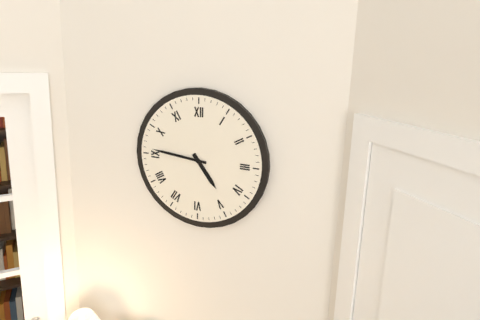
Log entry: 4,46
